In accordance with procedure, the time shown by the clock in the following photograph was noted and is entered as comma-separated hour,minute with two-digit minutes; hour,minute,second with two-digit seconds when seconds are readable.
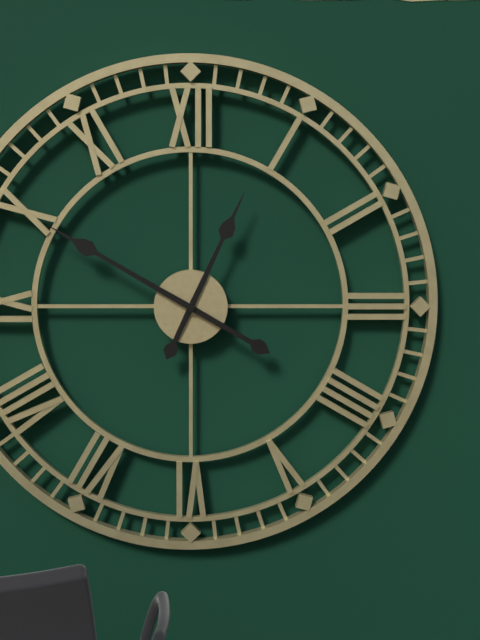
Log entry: 12,50
